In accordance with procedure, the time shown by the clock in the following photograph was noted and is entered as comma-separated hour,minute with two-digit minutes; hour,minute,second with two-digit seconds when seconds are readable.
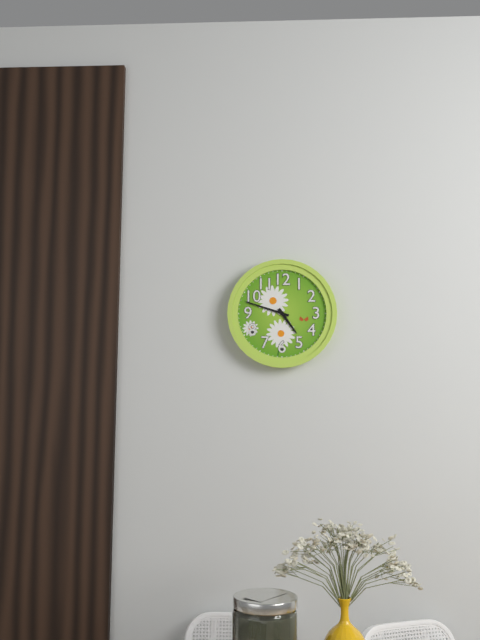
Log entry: 4,48
